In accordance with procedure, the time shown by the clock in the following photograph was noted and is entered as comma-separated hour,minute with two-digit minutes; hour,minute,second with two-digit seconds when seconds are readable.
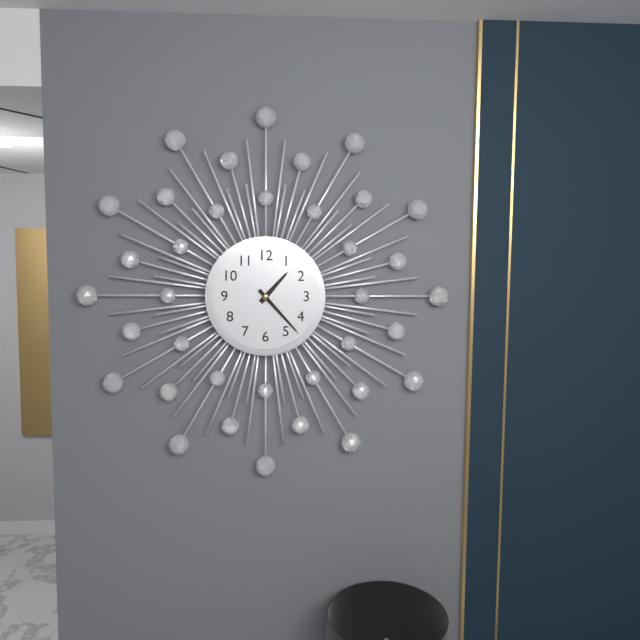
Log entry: 1,23
